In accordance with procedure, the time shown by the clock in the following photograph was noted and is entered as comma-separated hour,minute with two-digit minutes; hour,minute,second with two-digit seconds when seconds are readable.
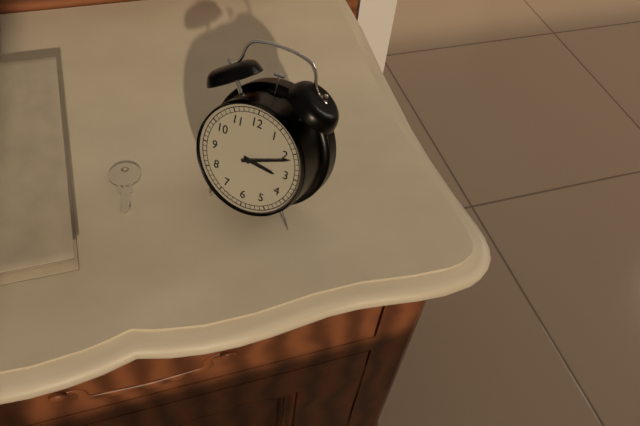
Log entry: 3,11
